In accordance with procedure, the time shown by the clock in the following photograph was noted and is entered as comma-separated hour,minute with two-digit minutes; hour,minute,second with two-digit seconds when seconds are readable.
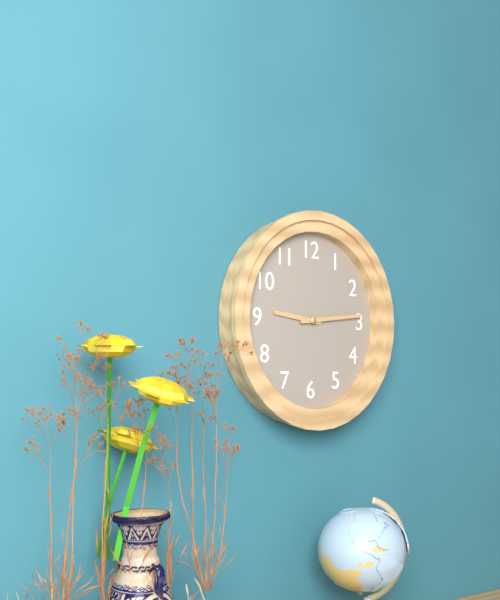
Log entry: 9,14
